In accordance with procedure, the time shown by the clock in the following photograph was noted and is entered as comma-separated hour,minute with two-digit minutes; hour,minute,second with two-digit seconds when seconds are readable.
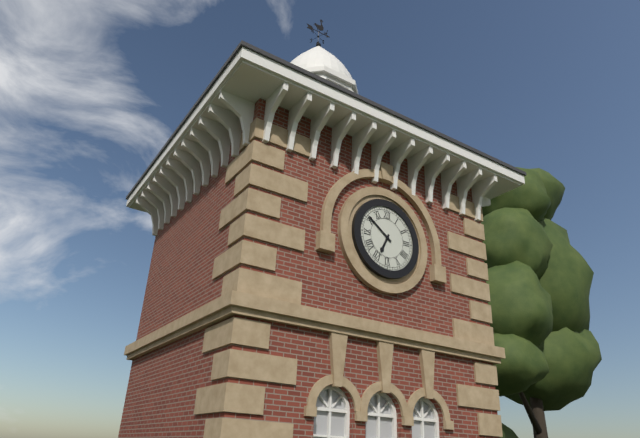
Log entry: 6,51
